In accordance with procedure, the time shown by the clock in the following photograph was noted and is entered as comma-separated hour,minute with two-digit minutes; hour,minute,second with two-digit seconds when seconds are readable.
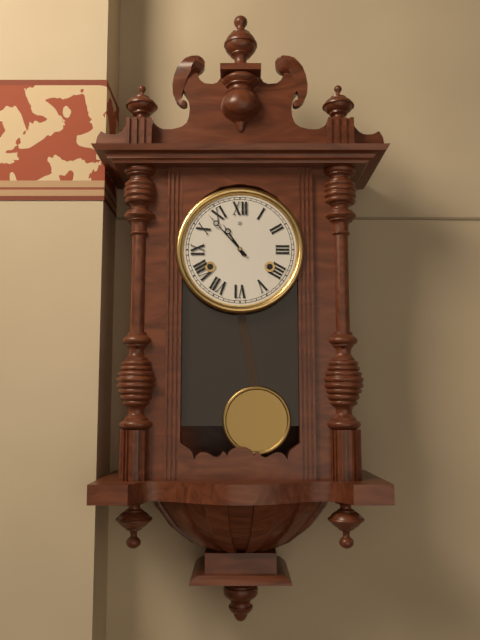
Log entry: 10,53
